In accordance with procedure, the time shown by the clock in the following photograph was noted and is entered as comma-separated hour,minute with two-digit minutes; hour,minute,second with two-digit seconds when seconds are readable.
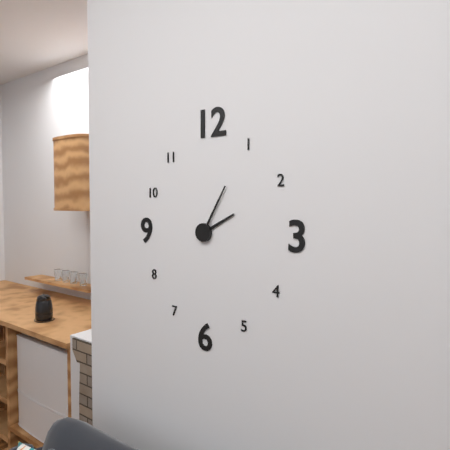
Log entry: 2,05
